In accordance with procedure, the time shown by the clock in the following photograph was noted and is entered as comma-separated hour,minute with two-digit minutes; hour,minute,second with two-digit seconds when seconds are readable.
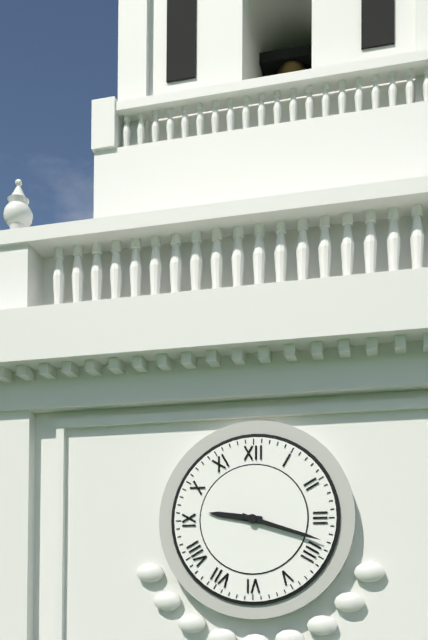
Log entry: 9,18
